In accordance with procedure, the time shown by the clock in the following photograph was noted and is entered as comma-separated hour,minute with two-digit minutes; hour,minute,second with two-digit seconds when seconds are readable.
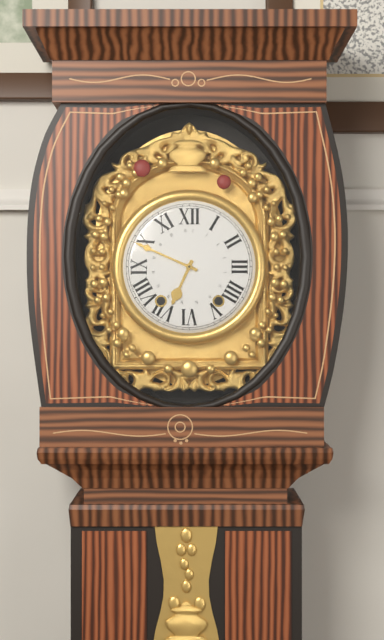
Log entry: 6,49
